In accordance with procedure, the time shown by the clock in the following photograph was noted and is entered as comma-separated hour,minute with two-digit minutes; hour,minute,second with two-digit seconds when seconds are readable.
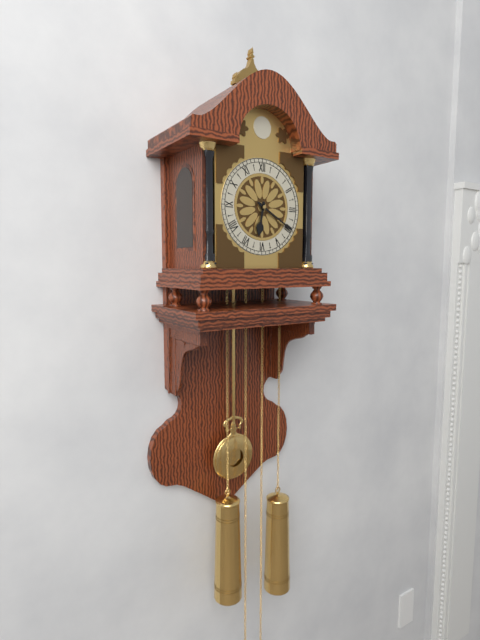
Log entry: 6,20
